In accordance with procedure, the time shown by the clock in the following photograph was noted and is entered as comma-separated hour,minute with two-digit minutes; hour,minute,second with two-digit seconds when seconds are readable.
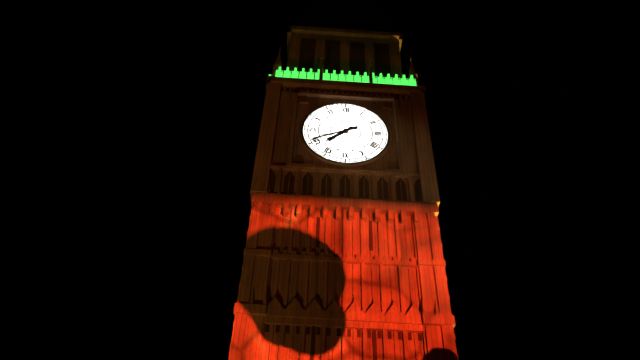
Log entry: 7,41
